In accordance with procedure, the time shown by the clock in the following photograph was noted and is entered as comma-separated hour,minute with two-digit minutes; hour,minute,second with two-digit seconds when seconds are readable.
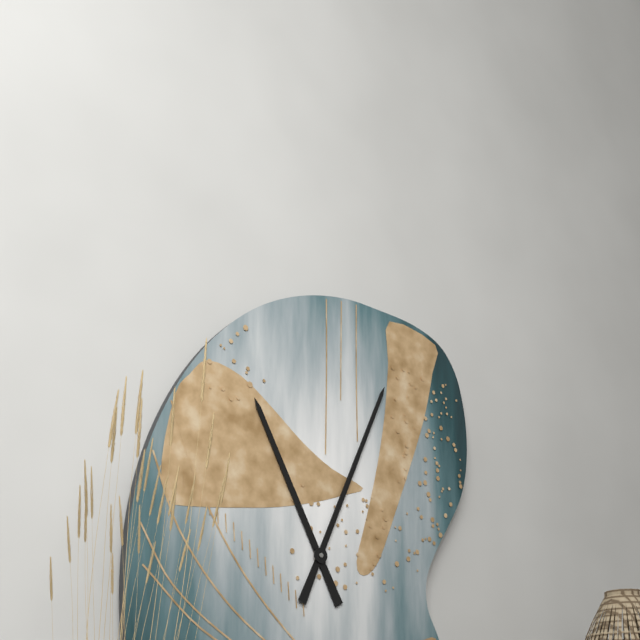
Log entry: 11,04
